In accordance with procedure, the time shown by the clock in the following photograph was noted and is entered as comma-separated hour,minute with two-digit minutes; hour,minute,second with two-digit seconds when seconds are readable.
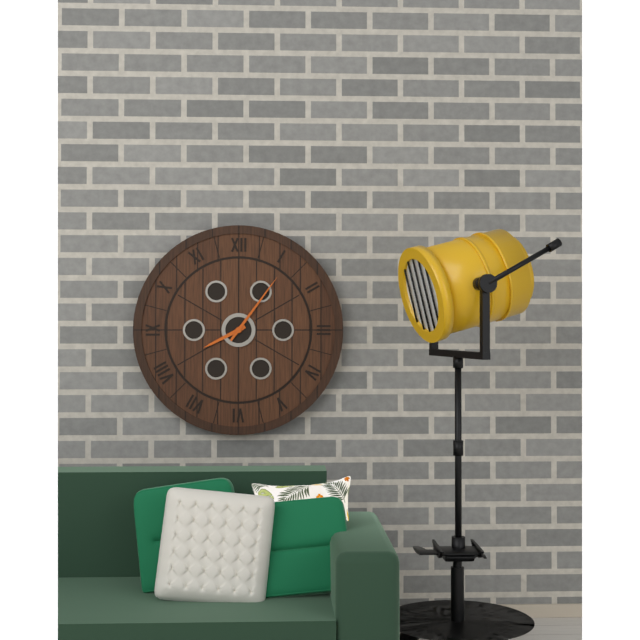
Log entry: 8,06
